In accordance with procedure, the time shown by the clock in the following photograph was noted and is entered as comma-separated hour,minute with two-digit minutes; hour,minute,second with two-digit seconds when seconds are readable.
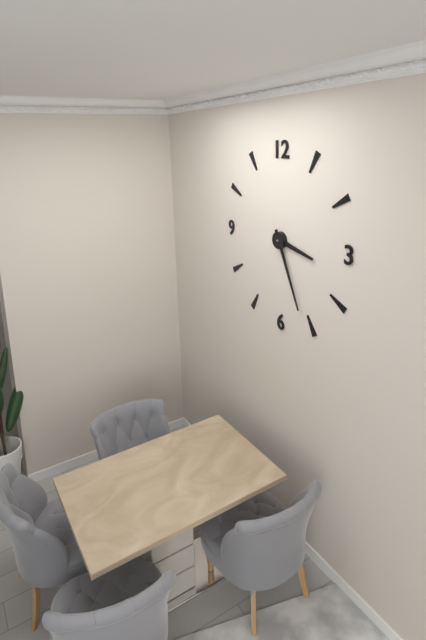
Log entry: 3,26
